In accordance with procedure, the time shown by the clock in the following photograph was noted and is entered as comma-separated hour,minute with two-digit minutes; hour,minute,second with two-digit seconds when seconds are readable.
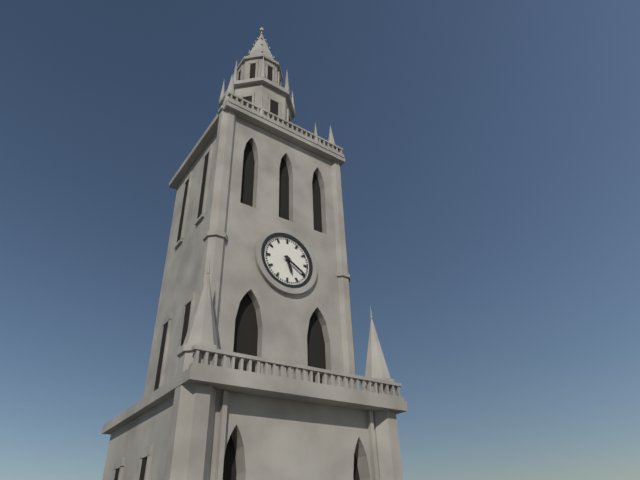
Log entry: 5,20
